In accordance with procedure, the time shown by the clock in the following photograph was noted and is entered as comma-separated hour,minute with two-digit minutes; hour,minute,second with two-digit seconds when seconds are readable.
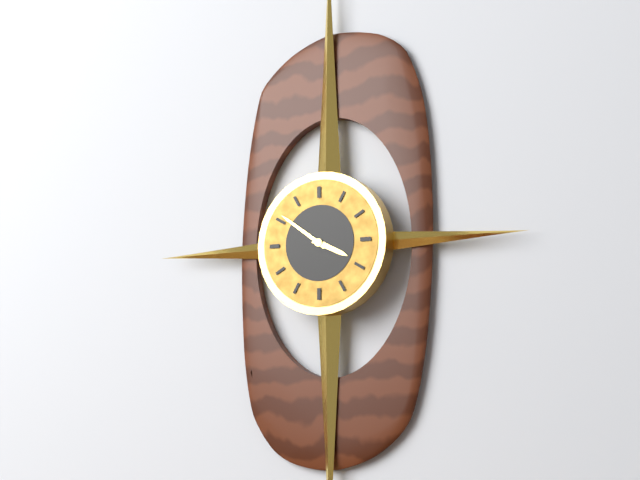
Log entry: 3,51
